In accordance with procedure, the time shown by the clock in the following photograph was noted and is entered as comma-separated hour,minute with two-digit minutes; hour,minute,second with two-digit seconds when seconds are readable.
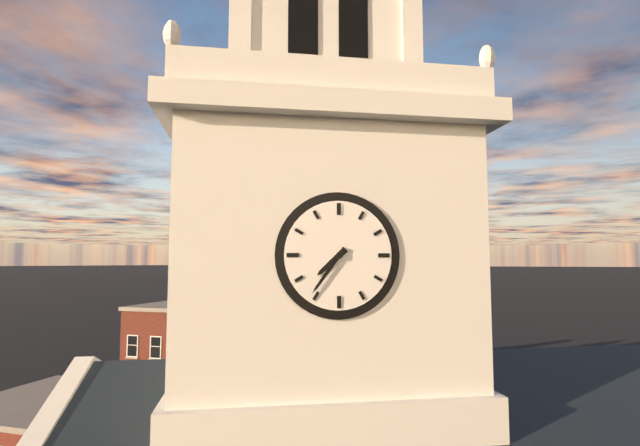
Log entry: 7,36
